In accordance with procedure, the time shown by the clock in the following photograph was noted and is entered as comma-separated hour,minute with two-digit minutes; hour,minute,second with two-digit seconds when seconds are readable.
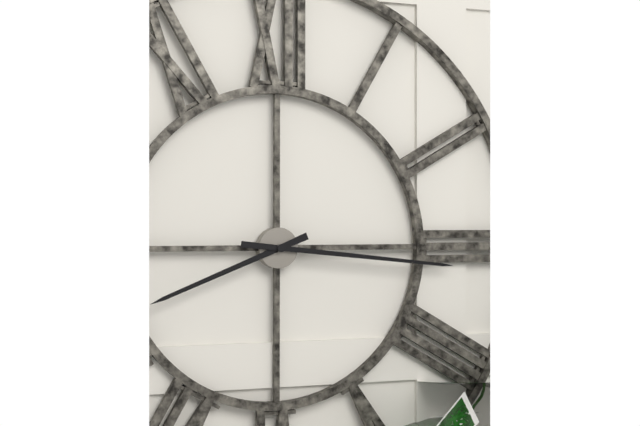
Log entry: 8,16
